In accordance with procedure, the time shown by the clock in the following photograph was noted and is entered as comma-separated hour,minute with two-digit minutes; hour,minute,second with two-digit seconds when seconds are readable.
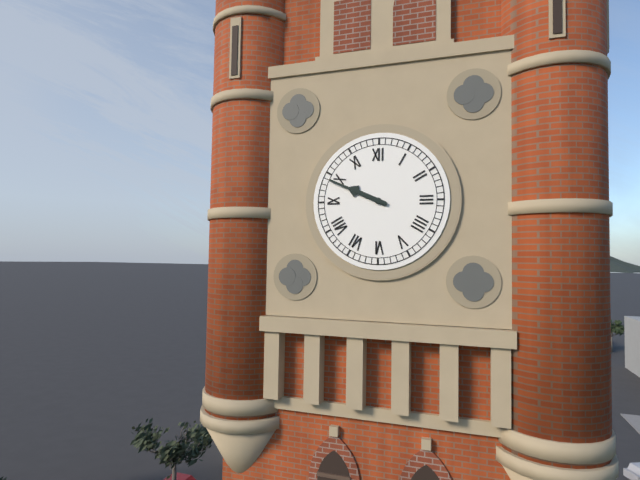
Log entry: 9,49
